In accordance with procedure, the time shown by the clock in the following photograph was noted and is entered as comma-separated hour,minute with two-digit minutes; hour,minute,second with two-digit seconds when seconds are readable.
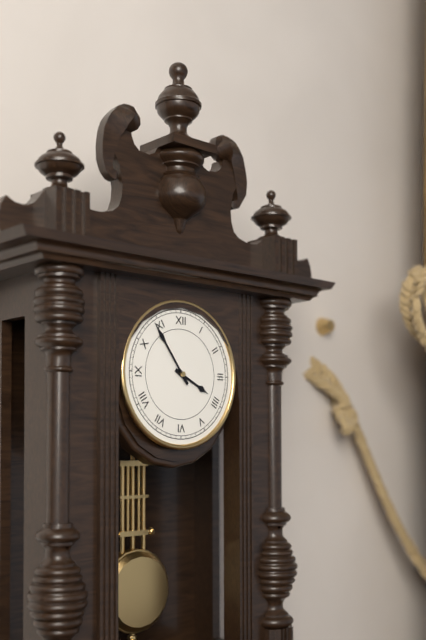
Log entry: 3,54
